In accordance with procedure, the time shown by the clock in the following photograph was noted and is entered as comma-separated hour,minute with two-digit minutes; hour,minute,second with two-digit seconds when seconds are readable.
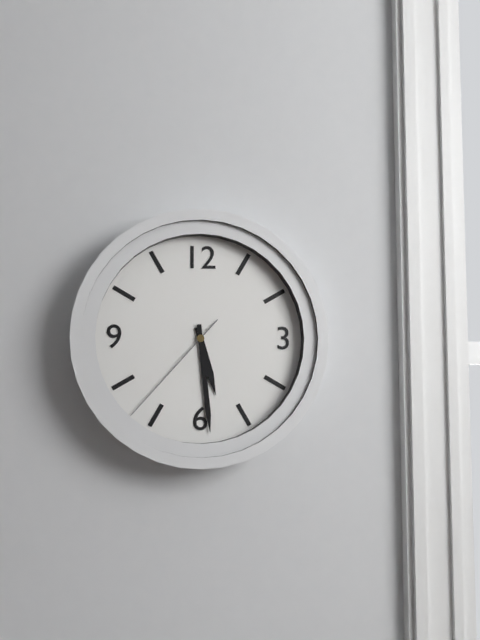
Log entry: 5,29,37
